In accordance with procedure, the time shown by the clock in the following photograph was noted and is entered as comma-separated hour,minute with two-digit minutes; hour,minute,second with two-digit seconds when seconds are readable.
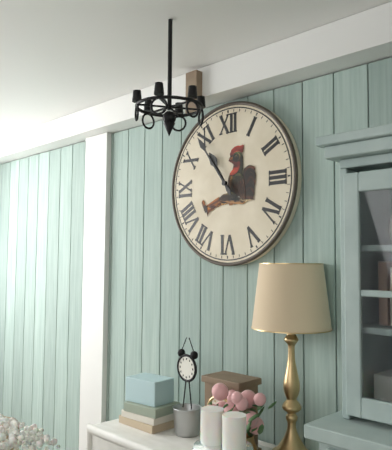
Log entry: 10,54
